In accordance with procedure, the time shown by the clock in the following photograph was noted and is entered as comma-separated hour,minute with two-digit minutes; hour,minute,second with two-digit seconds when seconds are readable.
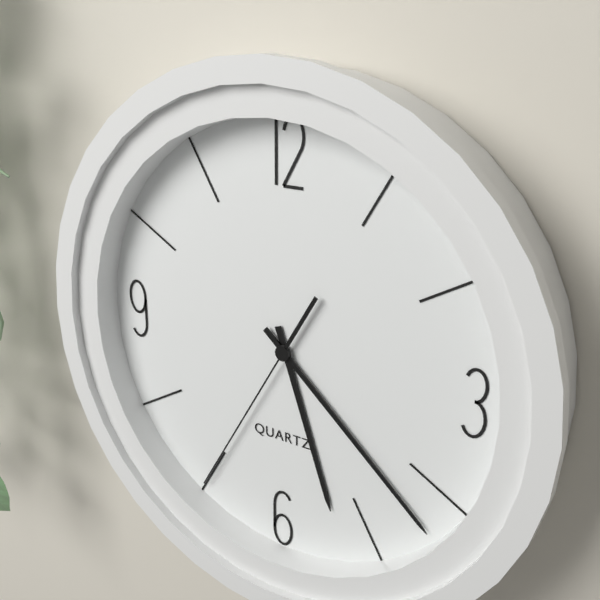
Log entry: 5,22,35
